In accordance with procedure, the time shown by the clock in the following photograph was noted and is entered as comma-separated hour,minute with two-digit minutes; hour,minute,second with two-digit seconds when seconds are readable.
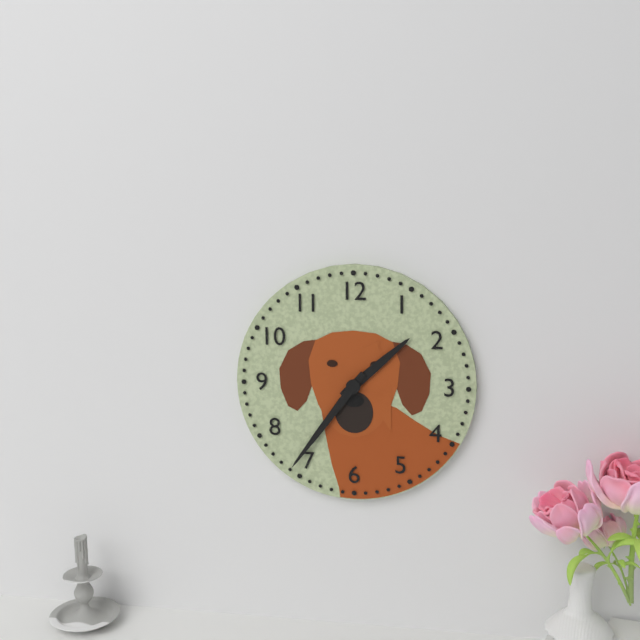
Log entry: 1,36
